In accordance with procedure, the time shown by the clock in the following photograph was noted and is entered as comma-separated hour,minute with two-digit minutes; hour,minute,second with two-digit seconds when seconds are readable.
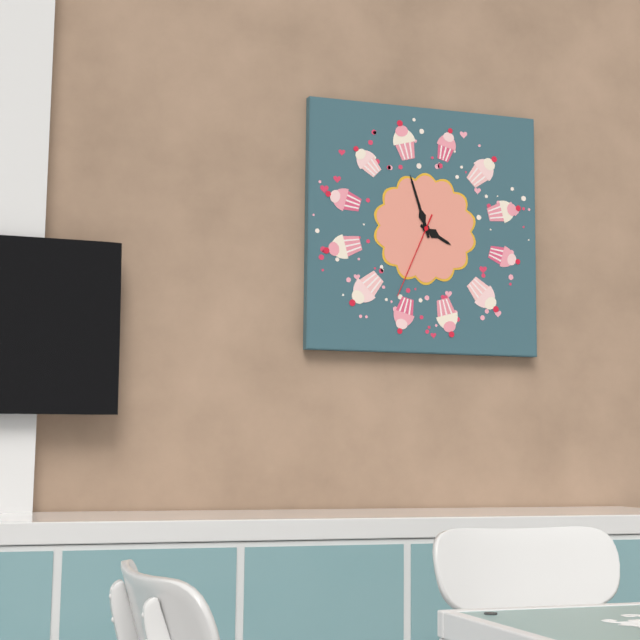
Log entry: 3,57,34
